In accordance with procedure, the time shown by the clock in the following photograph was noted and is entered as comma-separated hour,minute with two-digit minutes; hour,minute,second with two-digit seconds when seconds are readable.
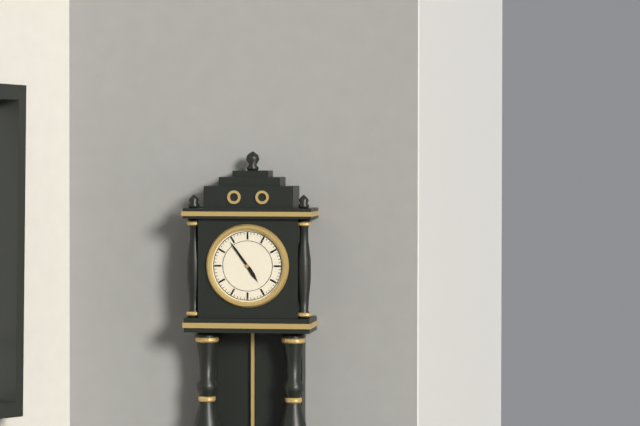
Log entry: 4,54
